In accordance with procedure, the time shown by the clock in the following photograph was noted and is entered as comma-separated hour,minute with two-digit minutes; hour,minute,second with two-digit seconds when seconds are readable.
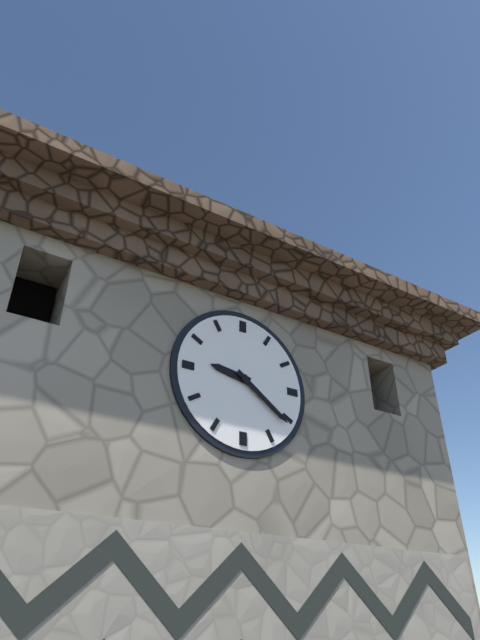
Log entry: 9,21
